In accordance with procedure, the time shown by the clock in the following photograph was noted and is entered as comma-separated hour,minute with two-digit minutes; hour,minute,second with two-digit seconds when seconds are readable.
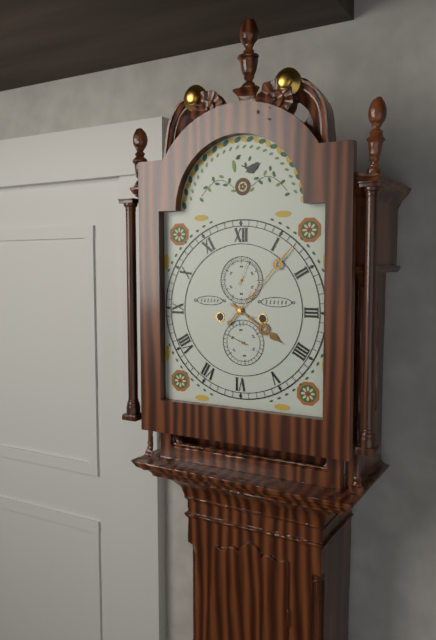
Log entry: 4,07
